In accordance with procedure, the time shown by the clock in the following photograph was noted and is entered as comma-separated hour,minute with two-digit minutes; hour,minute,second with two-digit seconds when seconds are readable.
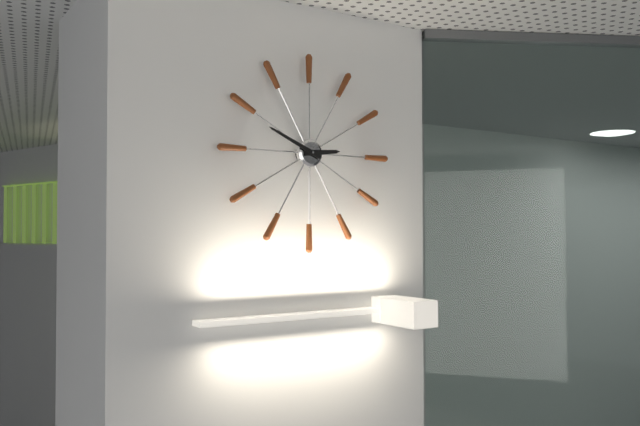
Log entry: 2,49
